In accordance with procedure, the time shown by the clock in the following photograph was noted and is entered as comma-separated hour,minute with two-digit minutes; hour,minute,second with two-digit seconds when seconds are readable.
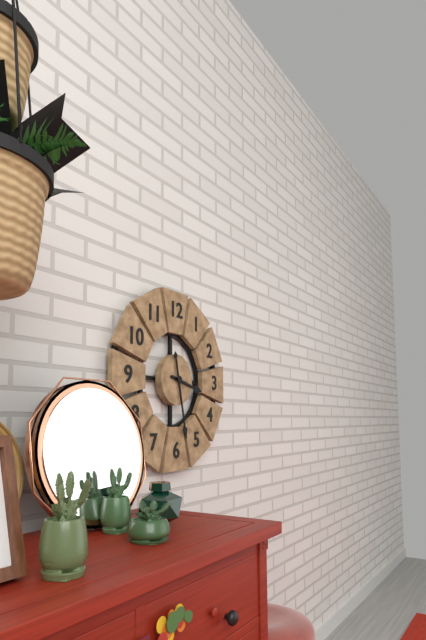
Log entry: 3,28
